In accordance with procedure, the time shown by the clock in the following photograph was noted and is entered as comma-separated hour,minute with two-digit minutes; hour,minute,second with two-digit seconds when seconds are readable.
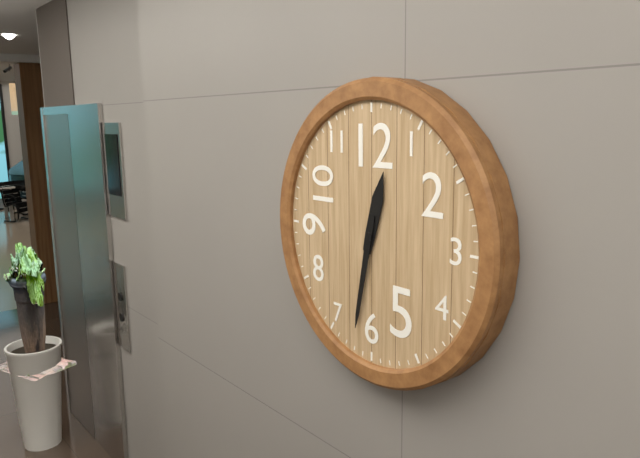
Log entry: 12,32
